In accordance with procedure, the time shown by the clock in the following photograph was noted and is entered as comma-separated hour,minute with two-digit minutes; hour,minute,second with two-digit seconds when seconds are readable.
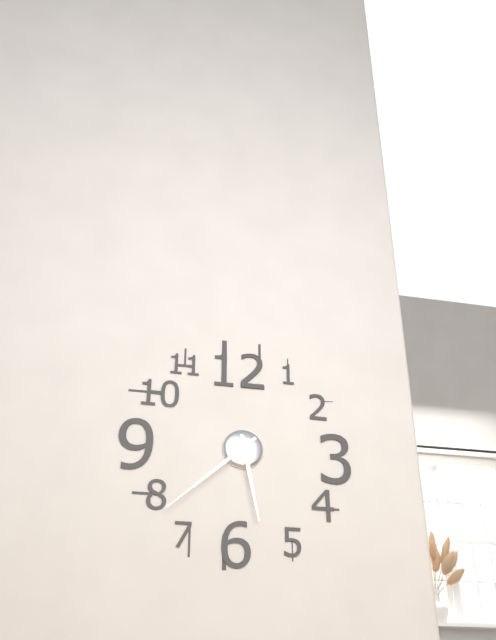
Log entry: 5,38
